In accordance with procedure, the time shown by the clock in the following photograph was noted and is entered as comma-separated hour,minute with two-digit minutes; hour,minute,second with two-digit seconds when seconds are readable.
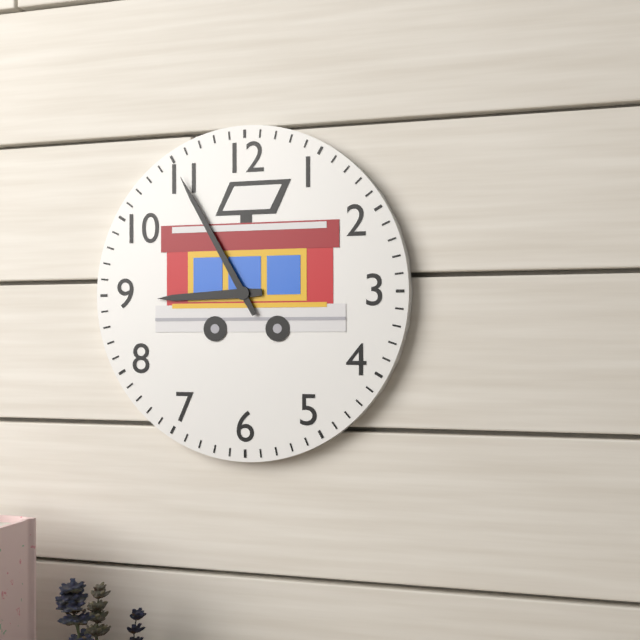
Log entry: 8,55
